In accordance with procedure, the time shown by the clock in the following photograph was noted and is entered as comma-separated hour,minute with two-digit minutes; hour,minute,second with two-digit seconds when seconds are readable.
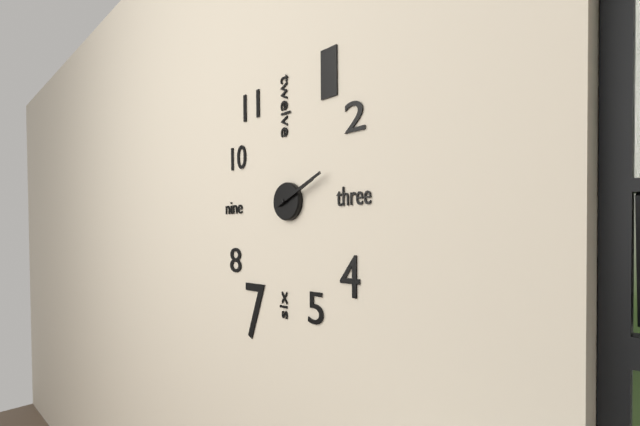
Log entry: 2,11
